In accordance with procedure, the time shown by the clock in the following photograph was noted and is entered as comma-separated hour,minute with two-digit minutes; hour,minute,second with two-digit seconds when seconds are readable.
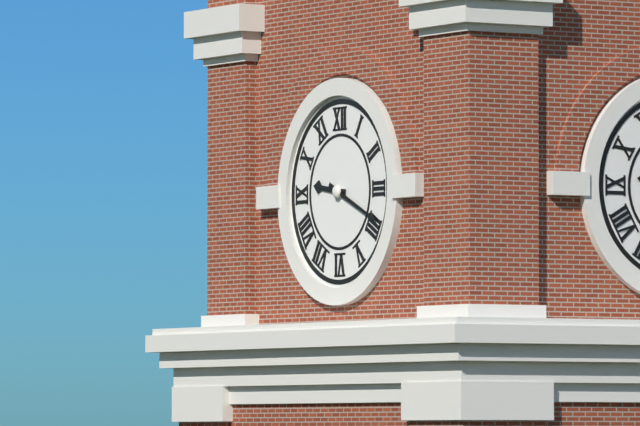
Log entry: 9,19
